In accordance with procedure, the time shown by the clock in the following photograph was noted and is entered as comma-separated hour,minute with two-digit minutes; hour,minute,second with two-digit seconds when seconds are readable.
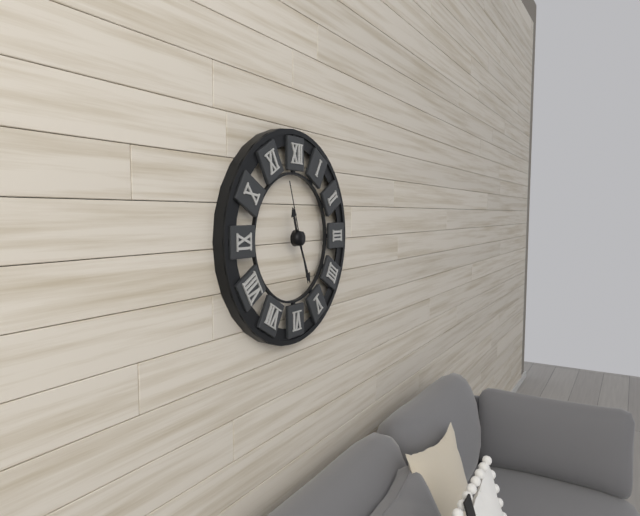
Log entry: 11,26,57
